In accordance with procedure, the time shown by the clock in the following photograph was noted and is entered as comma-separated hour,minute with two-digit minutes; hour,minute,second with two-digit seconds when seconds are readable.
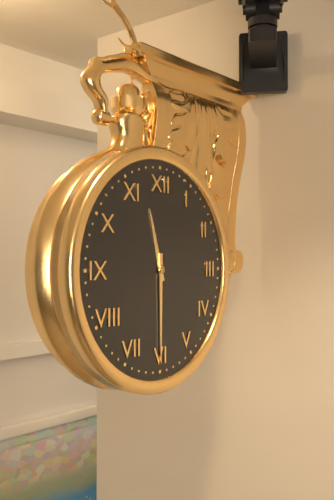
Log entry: 11,30
